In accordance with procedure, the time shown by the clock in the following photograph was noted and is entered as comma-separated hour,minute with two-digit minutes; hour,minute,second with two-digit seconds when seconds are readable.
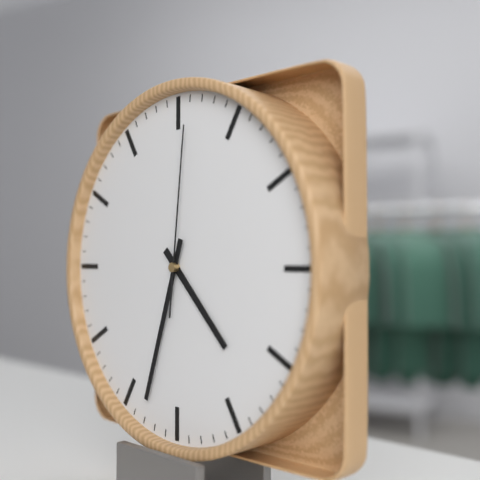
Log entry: 4,33,01
